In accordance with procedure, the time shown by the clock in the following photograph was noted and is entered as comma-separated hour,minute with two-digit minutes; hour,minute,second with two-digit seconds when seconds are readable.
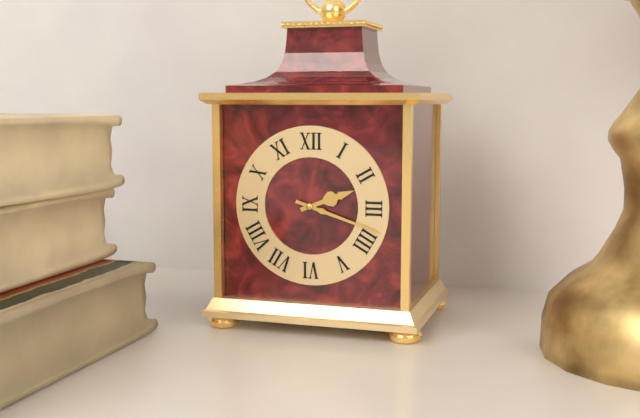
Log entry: 2,18
